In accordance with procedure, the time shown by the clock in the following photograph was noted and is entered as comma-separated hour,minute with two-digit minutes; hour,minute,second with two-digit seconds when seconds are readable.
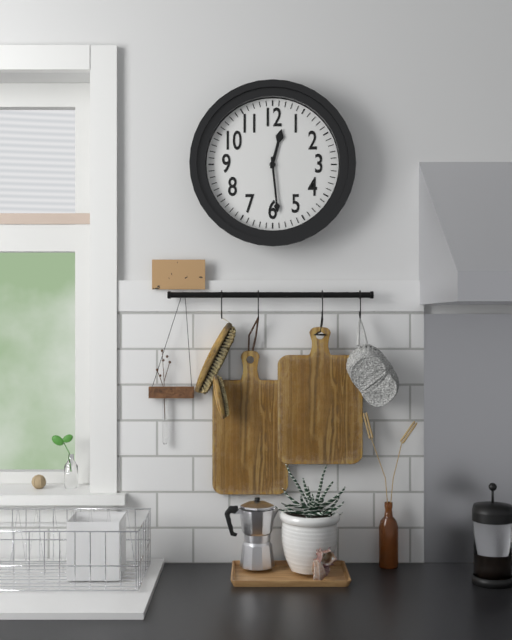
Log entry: 12,29
